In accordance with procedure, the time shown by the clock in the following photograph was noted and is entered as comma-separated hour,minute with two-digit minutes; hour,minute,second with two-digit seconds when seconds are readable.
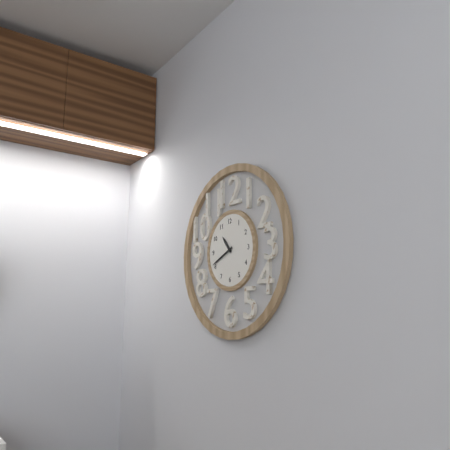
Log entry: 10,41
